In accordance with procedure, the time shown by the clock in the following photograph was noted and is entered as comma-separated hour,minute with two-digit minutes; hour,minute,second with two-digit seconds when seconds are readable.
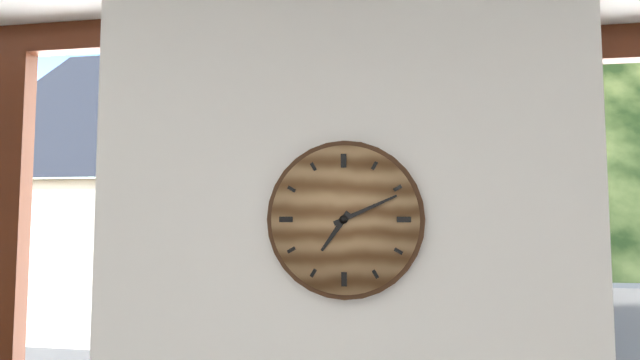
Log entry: 7,11
